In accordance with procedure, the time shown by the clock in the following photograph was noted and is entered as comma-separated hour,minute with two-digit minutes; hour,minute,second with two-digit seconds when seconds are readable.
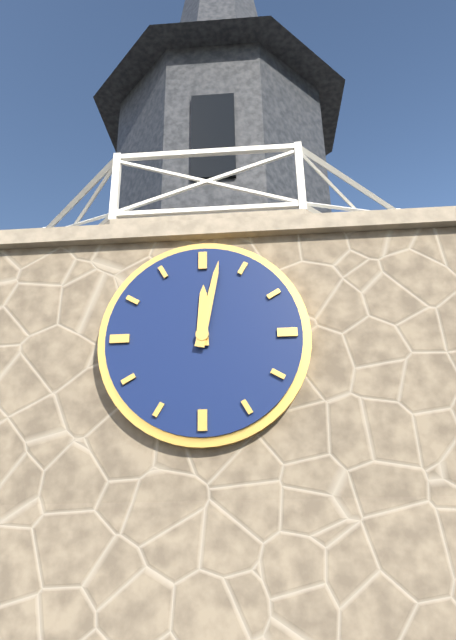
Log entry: 12,02
